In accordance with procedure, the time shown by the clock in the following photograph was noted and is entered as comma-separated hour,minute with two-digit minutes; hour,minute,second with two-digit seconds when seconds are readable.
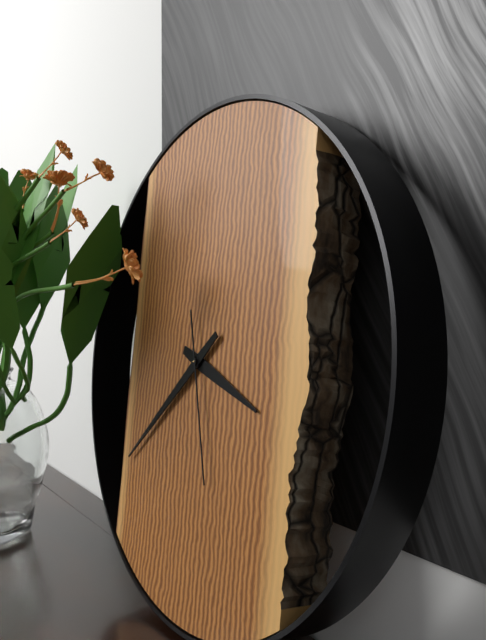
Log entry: 3,38,27
